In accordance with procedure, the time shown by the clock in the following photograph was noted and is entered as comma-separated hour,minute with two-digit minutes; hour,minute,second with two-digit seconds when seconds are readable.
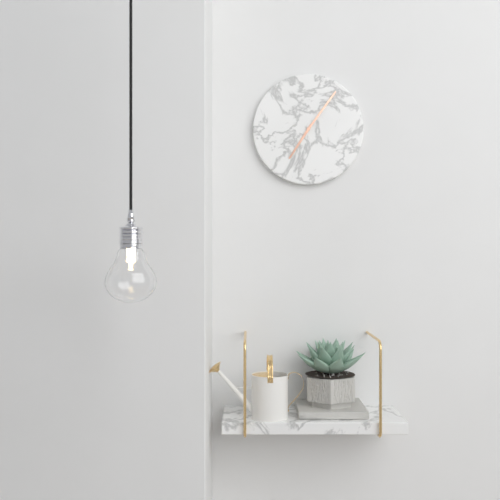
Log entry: 7,06
